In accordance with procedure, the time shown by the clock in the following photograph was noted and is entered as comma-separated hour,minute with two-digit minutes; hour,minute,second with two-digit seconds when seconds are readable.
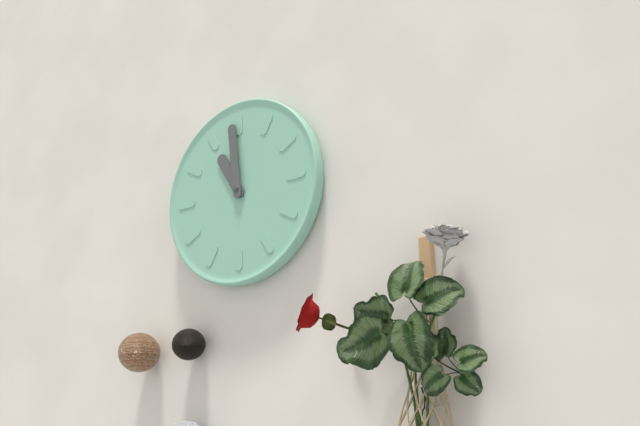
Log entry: 10,59
